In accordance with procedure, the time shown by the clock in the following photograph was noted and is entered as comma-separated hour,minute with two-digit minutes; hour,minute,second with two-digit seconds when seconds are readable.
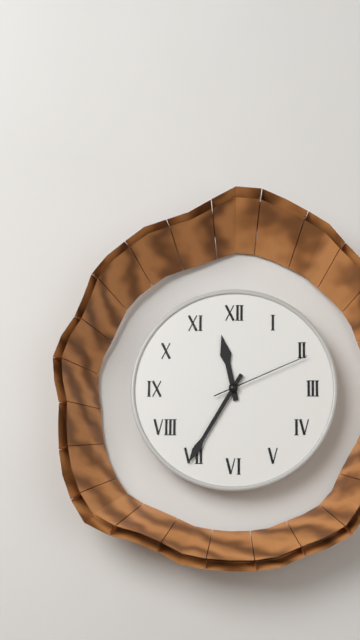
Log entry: 11,35,11
